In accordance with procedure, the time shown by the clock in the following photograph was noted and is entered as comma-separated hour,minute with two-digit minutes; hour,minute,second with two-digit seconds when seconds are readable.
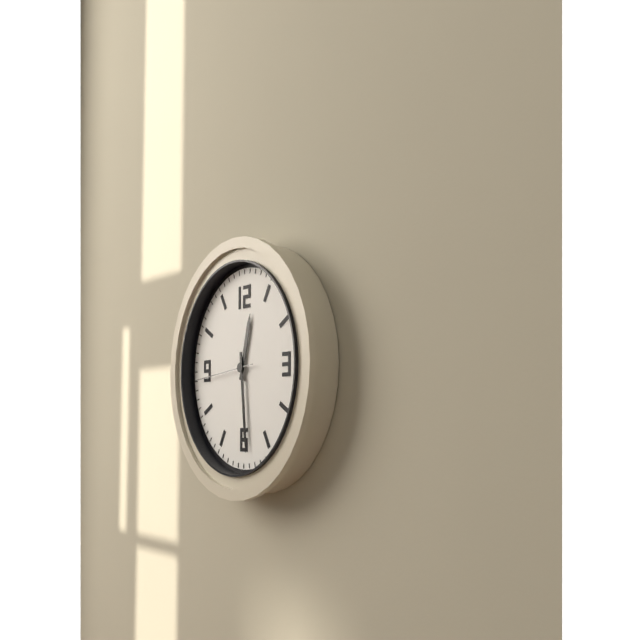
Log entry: 12,29,44
